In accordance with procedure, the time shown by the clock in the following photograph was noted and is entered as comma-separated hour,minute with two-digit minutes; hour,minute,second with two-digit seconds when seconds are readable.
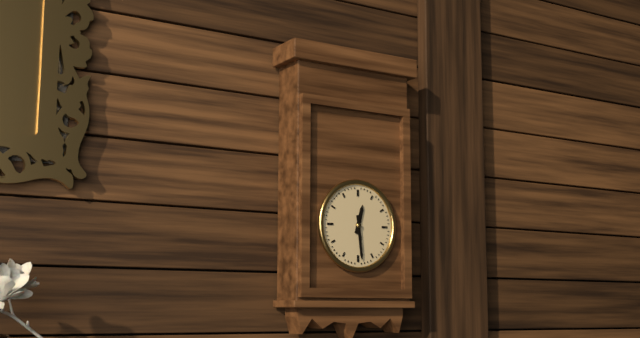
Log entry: 12,29
